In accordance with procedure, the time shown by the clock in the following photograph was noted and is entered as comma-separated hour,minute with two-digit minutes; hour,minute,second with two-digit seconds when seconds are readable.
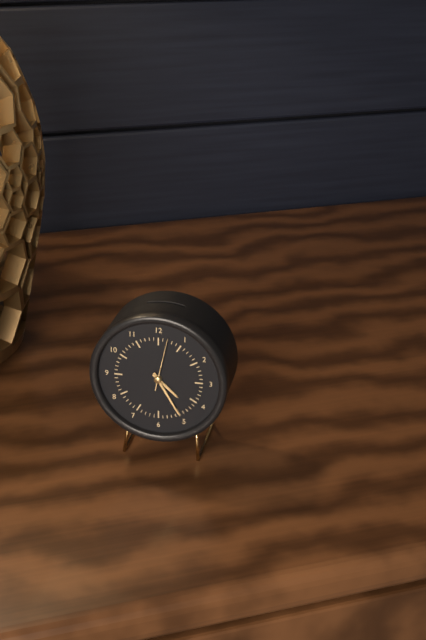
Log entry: 4,25
